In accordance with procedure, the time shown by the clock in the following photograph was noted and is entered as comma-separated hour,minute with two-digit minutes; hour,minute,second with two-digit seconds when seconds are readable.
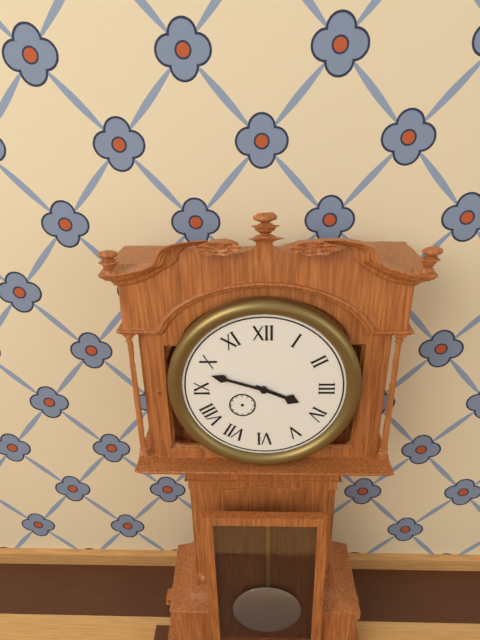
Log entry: 3,48
